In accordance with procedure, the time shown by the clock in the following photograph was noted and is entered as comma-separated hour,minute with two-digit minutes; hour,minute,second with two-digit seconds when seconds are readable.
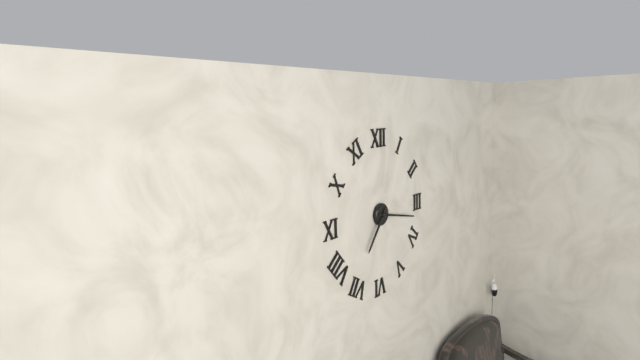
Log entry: 7,17
